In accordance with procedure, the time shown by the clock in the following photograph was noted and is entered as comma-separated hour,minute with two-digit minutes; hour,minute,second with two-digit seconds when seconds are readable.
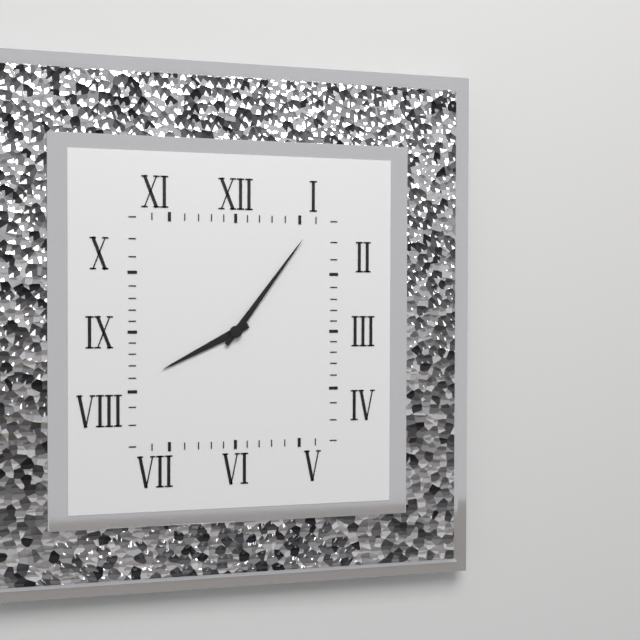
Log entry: 8,06
